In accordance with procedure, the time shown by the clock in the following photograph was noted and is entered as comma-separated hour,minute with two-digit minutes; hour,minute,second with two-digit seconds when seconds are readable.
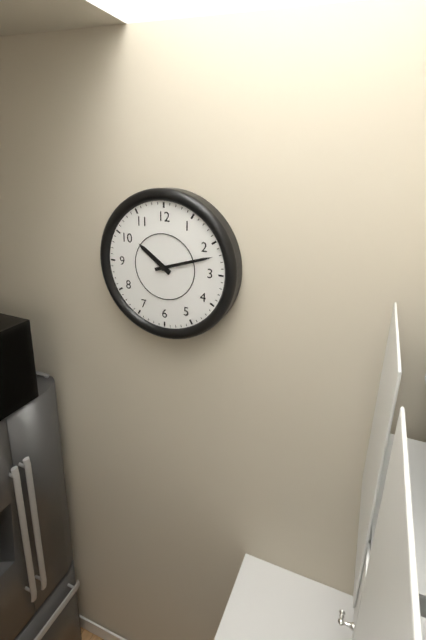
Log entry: 10,12
